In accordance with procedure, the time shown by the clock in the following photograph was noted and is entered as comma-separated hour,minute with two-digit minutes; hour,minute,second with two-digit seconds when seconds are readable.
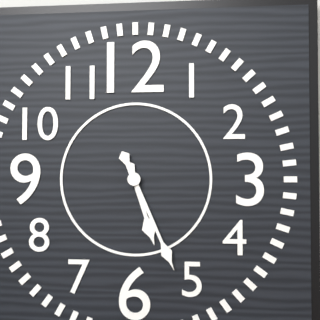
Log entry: 5,26
